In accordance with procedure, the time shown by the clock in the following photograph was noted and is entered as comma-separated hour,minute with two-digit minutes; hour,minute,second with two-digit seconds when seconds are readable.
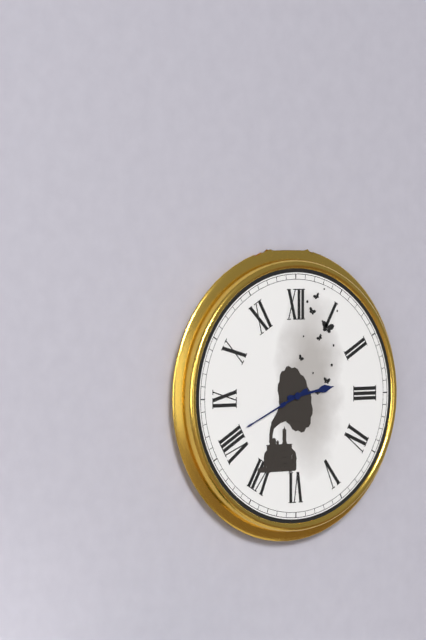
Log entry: 2,41
